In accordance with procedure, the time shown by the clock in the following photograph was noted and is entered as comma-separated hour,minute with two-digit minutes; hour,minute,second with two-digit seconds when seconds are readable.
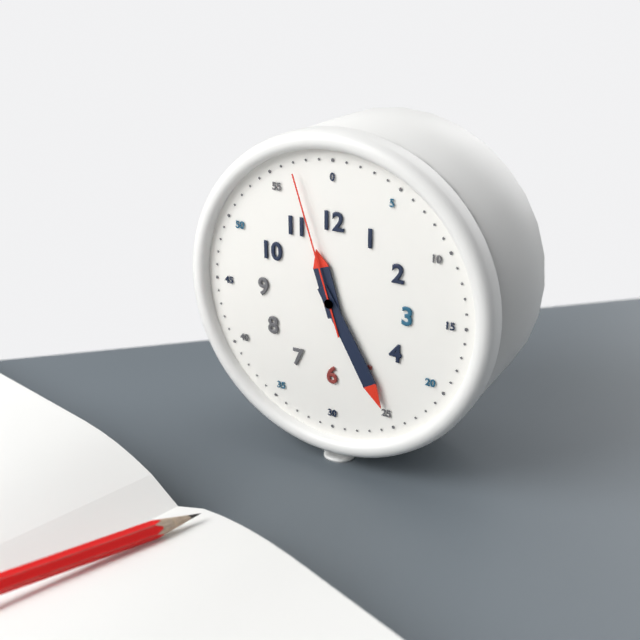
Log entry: 11,25,57
